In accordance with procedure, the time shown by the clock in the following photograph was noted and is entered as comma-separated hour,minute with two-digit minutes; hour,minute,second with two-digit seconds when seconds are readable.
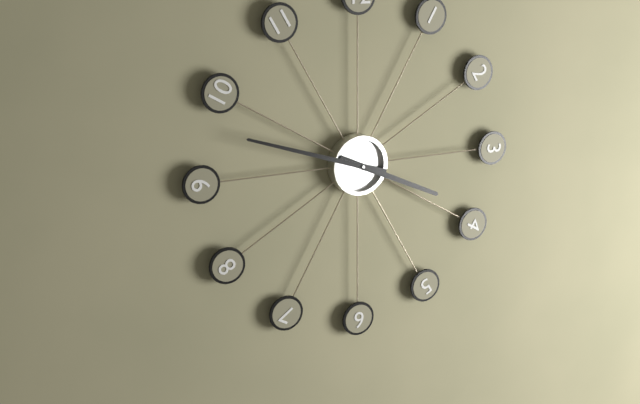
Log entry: 3,48
